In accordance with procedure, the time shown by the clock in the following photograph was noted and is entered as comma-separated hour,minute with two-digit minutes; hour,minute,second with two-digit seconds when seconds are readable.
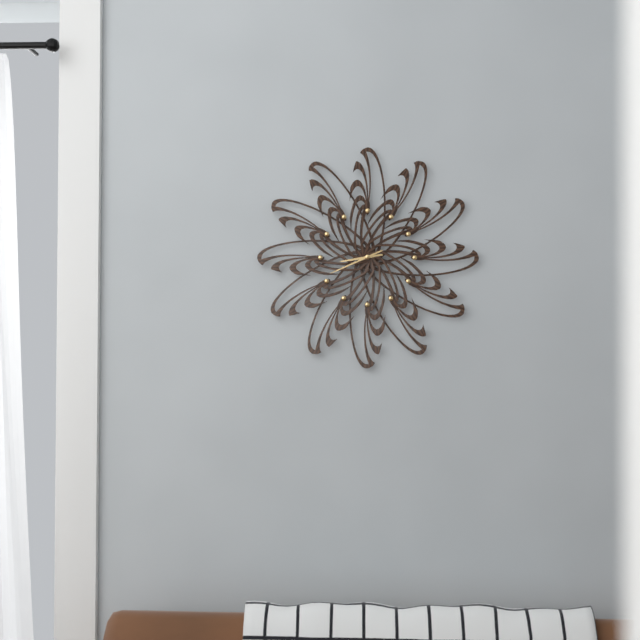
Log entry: 8,41
